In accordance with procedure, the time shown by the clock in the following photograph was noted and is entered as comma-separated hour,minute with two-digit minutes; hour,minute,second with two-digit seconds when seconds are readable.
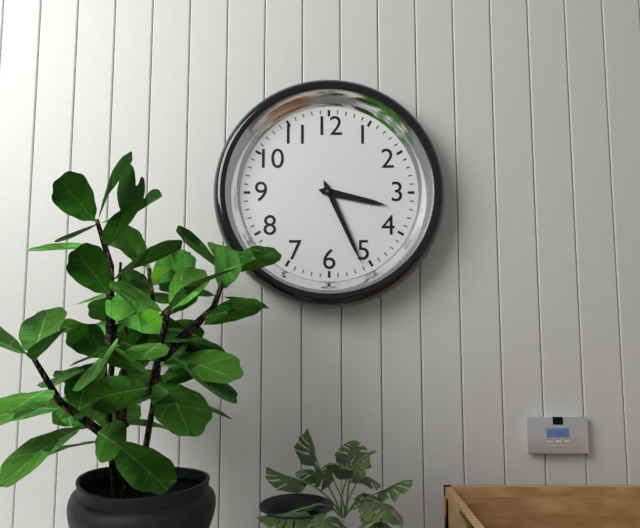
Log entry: 3,26
